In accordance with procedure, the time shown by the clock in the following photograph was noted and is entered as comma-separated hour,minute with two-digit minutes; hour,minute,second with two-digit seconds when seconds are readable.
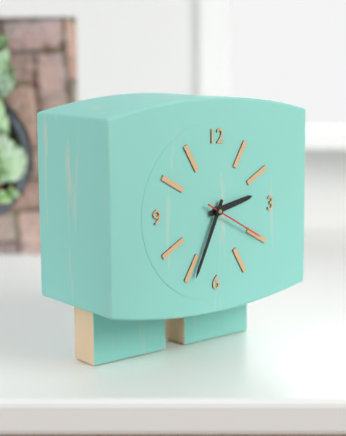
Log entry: 2,34,20
